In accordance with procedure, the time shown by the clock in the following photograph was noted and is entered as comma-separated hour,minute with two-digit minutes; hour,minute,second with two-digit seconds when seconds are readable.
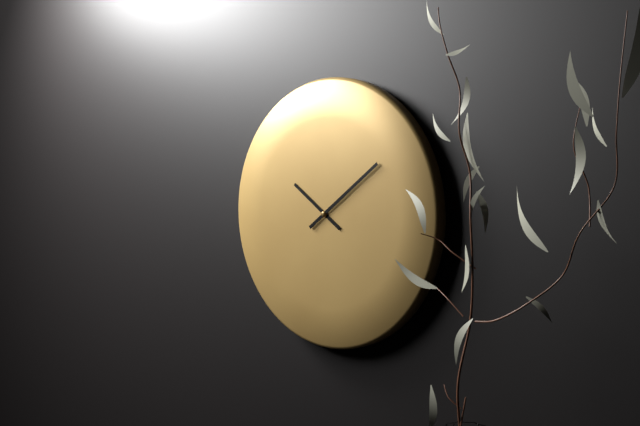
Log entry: 10,09
